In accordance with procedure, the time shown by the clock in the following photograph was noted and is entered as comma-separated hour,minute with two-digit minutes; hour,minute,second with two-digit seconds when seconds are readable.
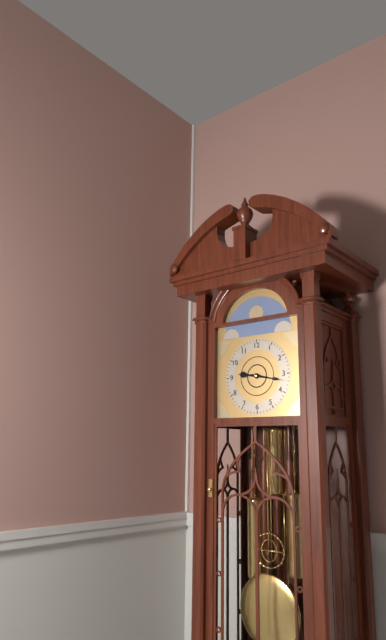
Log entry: 9,17
